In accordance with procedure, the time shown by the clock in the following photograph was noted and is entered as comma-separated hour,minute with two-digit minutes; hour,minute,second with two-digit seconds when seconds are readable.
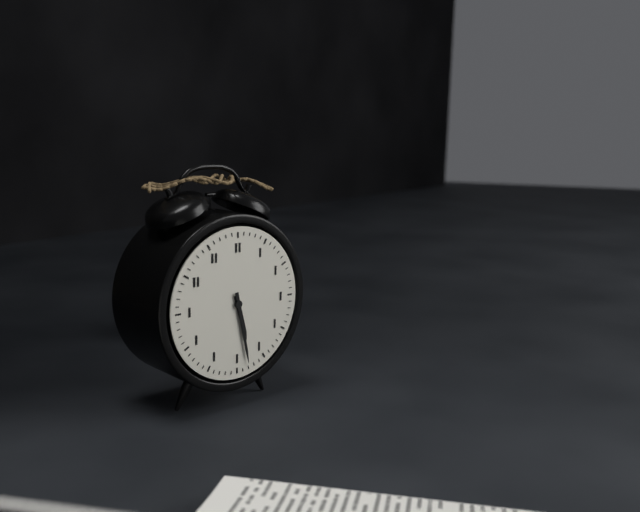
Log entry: 5,28
